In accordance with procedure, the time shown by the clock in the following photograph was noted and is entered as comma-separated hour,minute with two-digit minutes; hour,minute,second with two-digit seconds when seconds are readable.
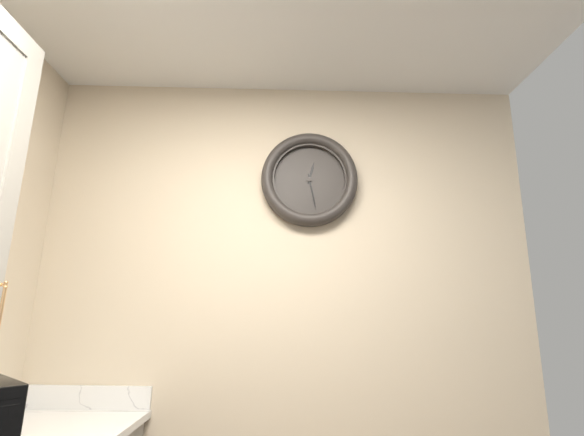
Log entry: 12,28
